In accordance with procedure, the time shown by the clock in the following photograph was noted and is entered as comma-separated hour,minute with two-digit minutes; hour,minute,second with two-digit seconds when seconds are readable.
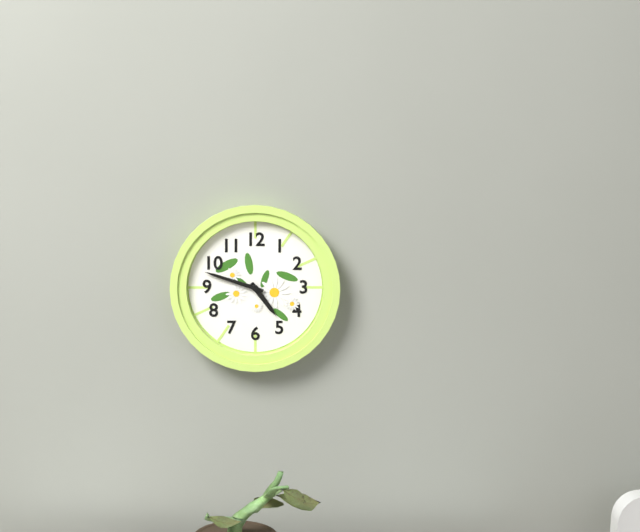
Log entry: 4,48
